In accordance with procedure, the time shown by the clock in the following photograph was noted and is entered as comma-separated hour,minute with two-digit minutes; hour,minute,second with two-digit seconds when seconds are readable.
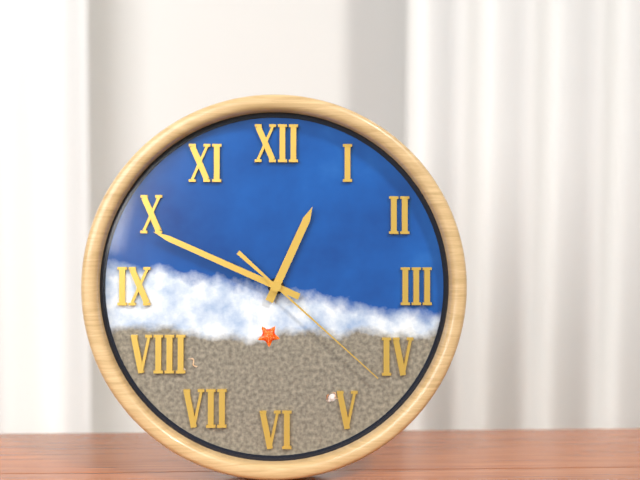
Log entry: 12,49,22
